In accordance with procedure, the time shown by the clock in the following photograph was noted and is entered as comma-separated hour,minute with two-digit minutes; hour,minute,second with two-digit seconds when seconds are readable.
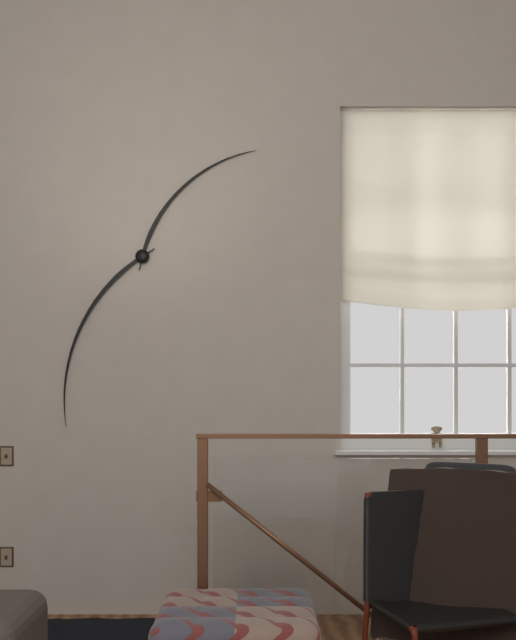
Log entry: 1,34
